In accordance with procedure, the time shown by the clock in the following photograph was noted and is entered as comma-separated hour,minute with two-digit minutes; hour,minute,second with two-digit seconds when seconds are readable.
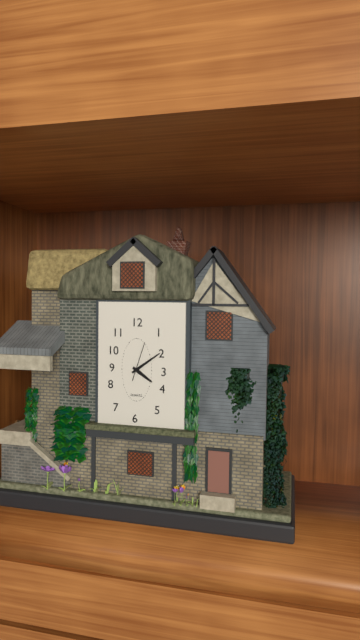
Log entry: 4,09
